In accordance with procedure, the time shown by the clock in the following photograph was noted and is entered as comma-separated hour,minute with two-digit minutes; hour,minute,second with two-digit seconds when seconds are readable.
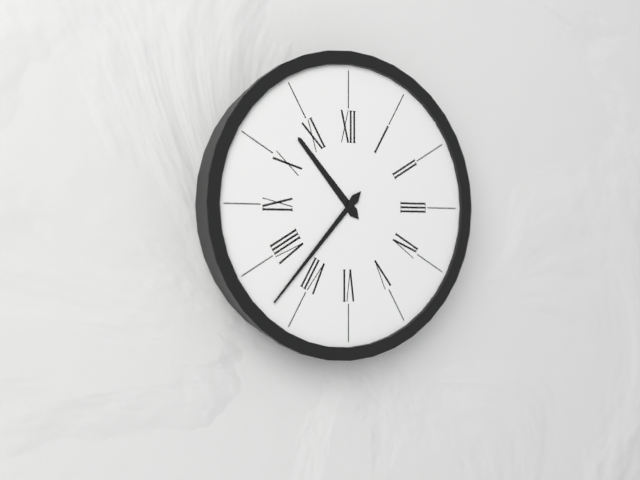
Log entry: 10,37
